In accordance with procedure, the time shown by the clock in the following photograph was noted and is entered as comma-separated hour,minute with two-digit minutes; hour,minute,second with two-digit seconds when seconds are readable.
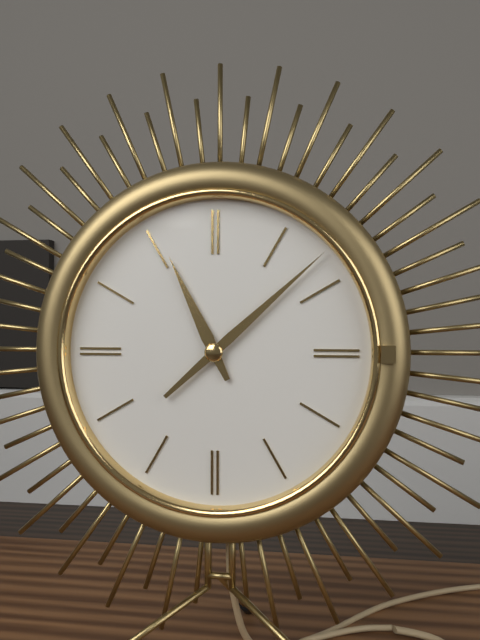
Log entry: 11,08
